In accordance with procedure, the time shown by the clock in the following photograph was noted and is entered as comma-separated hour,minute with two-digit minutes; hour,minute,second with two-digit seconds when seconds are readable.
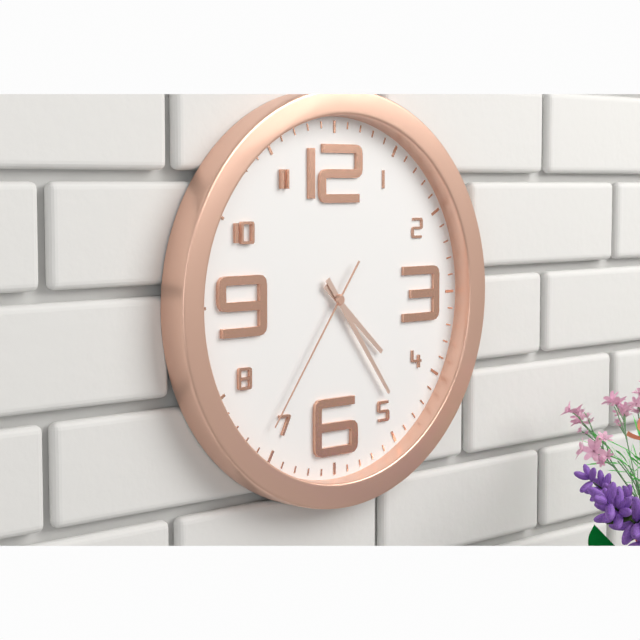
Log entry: 4,24,36
